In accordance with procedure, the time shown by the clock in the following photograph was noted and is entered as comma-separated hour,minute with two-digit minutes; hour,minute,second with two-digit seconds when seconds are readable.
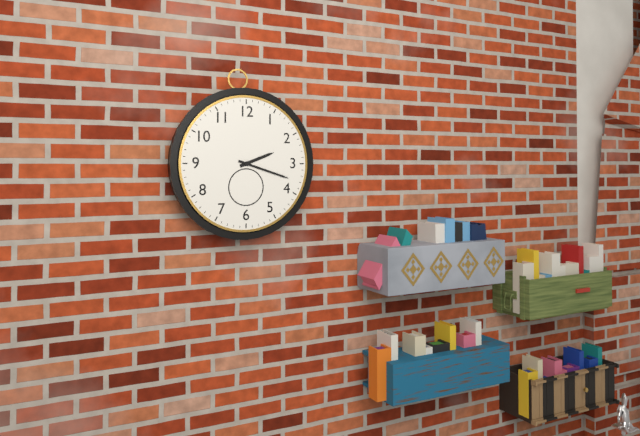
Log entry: 2,18
